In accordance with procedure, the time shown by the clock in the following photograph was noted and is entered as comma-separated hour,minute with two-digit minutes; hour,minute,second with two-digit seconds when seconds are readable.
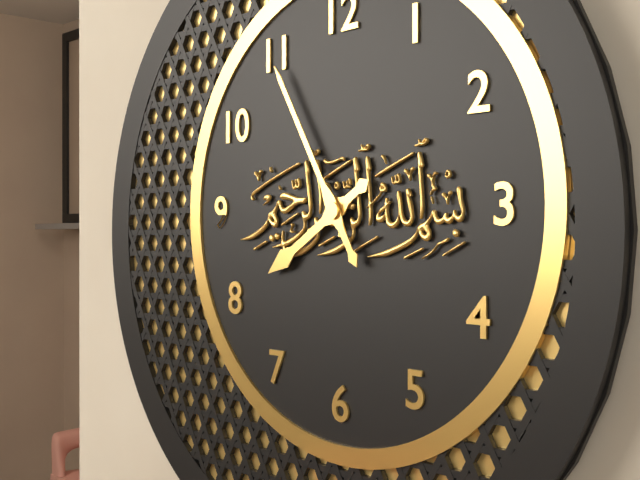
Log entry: 7,55
